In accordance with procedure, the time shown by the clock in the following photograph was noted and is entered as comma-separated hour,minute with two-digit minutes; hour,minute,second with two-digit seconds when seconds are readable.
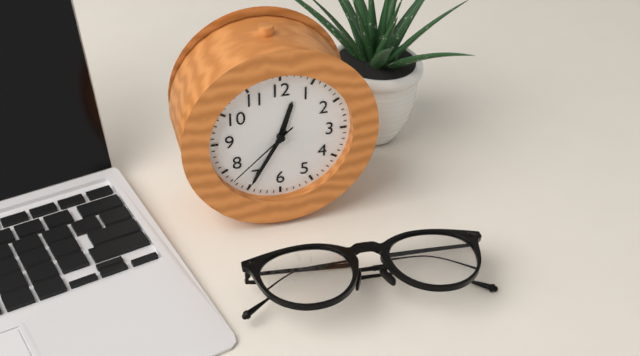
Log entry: 12,35,38
